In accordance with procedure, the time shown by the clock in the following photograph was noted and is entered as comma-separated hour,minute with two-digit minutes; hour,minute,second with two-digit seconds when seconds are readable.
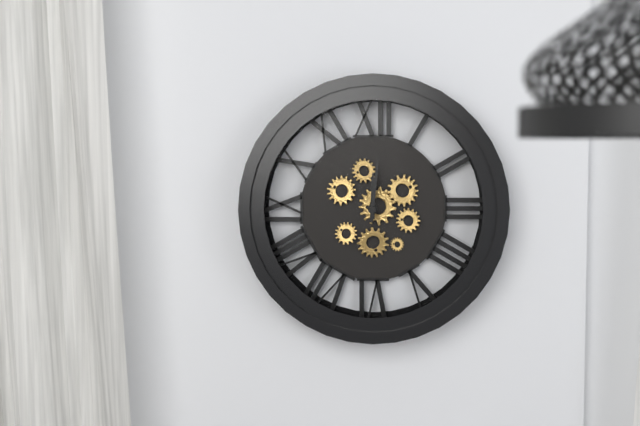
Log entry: 12,01
